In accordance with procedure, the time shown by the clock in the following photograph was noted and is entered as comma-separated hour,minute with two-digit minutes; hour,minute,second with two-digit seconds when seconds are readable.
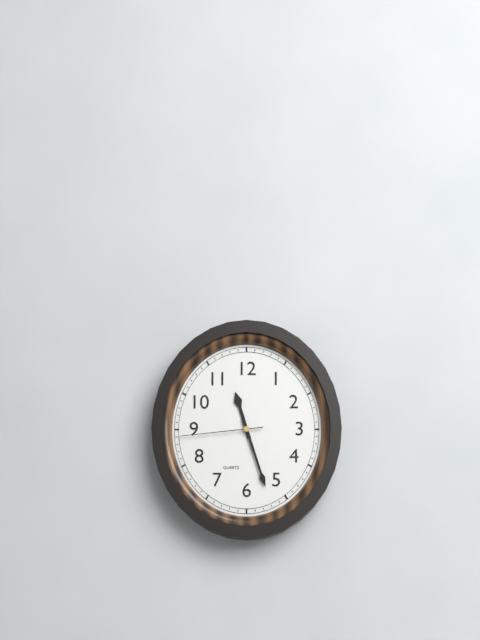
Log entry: 11,27,44
